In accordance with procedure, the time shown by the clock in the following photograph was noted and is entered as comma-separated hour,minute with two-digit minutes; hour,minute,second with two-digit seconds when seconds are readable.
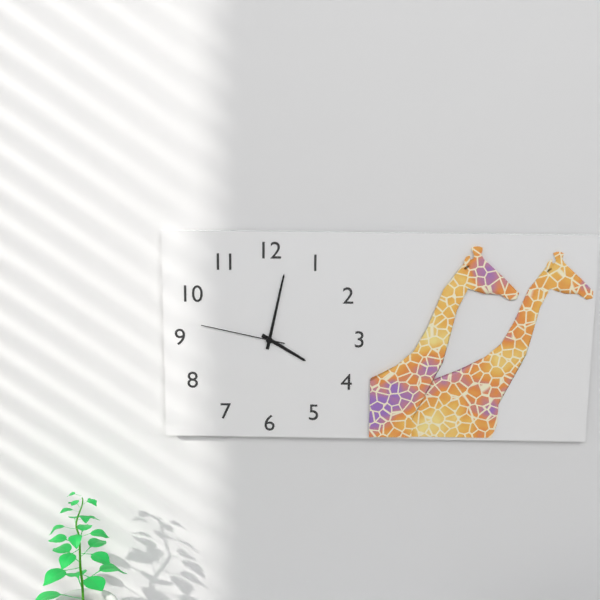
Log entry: 4,02,47
